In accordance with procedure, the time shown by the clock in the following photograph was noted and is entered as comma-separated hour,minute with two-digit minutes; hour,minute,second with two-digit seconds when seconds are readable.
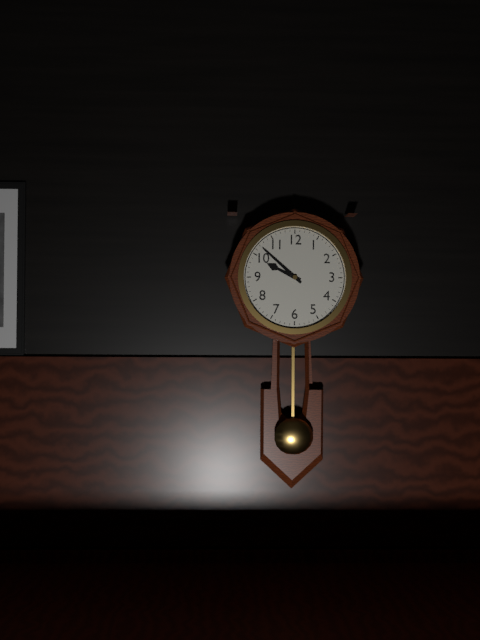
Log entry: 9,52
